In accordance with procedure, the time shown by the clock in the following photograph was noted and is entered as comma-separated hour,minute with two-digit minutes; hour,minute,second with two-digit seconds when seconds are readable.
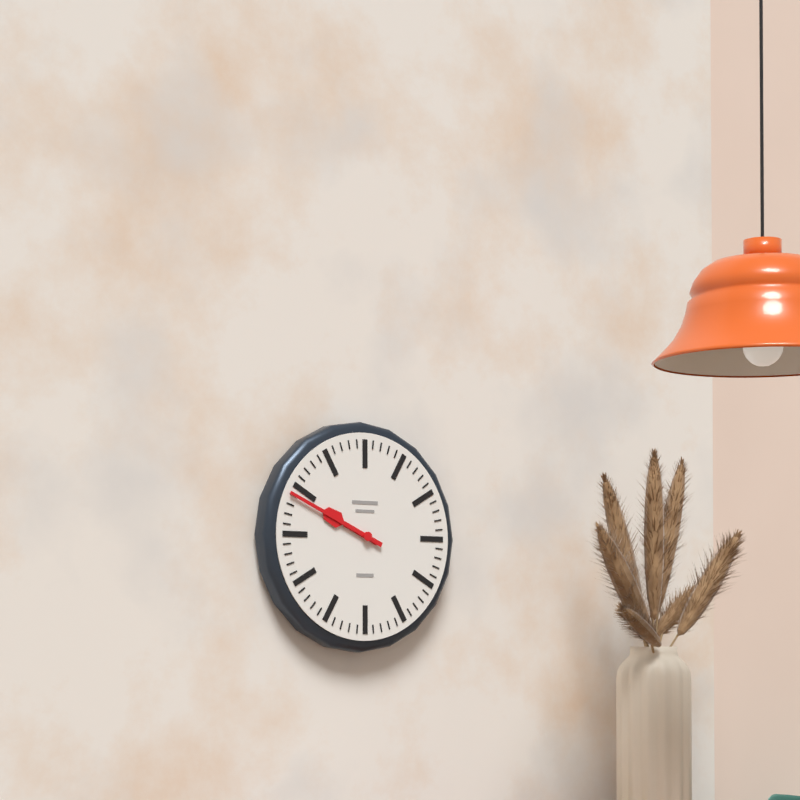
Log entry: 9,49
